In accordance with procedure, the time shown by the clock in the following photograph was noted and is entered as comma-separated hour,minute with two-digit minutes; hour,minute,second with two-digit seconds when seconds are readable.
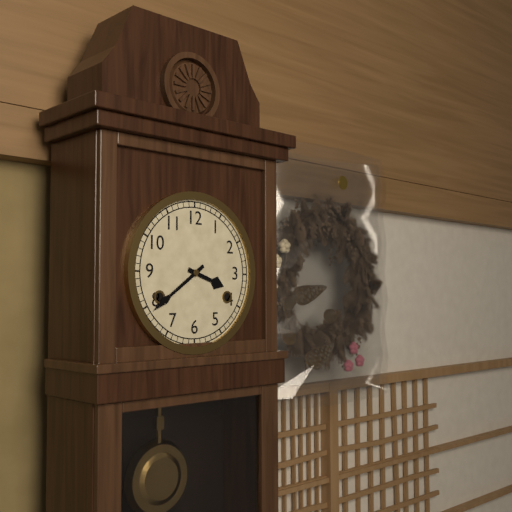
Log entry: 3,39
